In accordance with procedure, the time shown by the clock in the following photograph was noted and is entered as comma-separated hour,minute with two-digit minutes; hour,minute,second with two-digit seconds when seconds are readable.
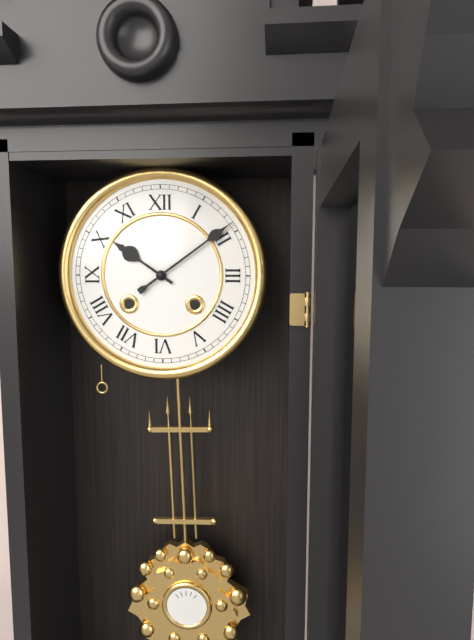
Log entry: 10,09
